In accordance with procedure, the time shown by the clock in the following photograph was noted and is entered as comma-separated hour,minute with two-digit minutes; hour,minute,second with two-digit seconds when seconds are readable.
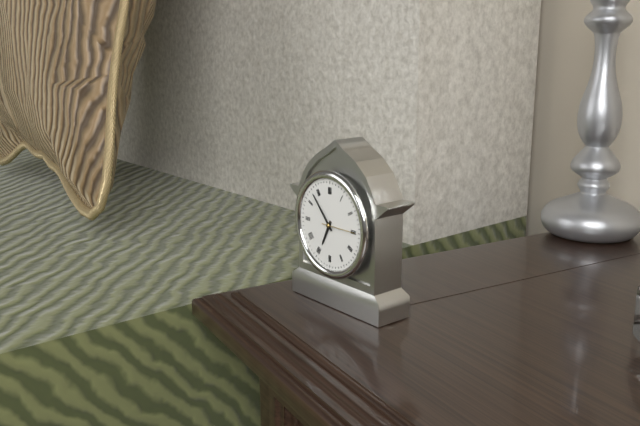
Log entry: 6,53
